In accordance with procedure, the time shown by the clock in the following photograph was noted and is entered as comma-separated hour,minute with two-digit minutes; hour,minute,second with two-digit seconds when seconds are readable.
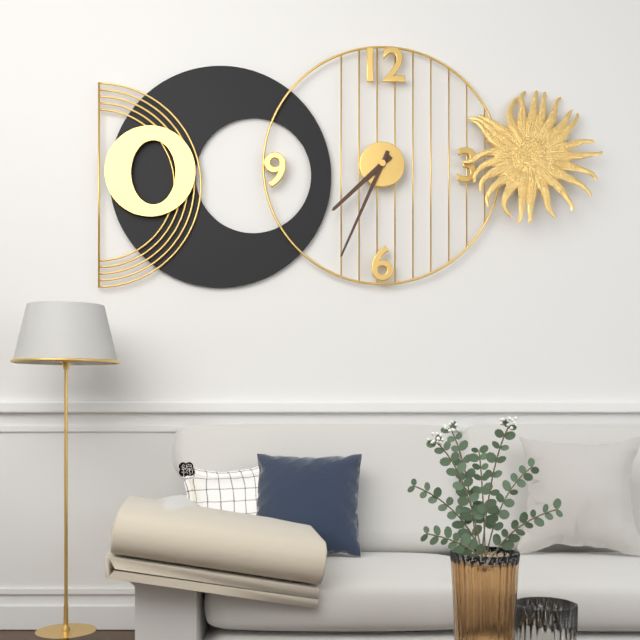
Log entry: 7,34
